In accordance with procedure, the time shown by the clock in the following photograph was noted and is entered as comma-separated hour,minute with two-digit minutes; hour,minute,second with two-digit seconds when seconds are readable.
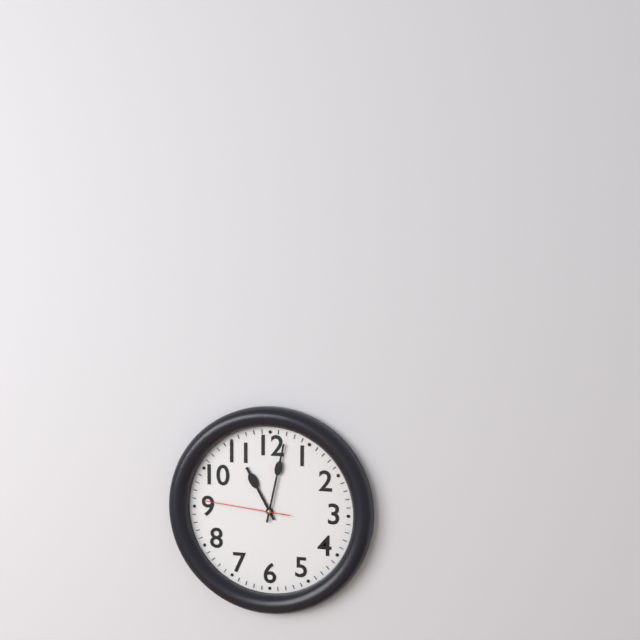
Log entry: 11,02,46
